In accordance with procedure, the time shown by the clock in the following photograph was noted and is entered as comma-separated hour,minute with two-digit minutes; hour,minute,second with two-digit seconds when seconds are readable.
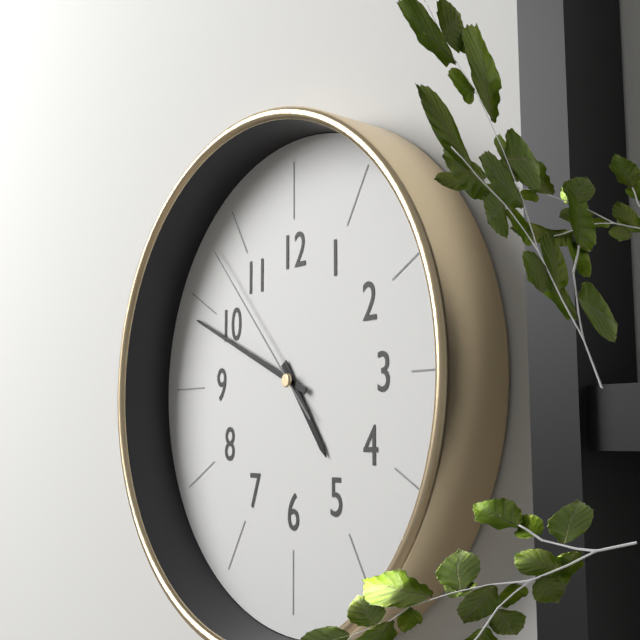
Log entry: 4,49,53
